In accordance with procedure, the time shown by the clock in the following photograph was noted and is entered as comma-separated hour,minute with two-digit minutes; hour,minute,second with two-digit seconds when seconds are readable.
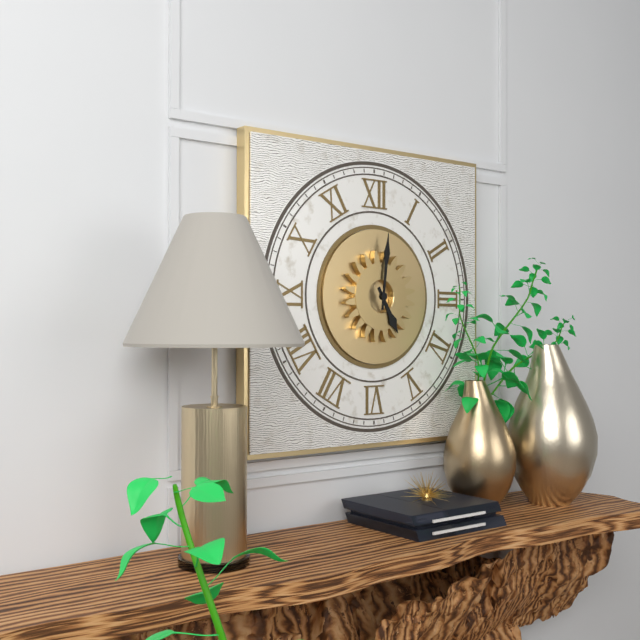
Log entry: 5,01
